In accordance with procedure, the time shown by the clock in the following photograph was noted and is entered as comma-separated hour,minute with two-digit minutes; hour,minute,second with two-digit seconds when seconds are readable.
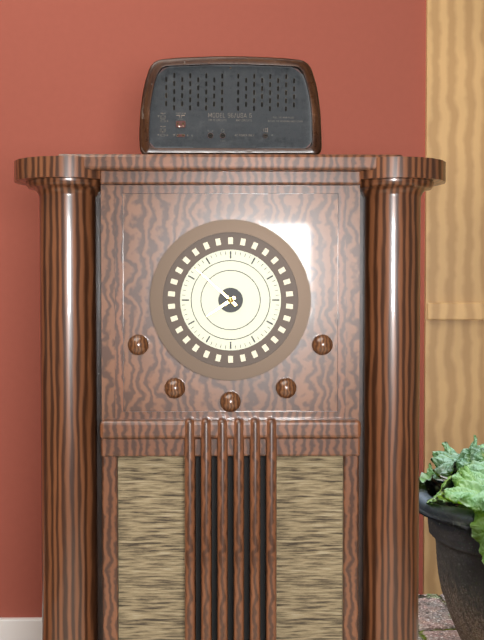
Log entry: 7,52
